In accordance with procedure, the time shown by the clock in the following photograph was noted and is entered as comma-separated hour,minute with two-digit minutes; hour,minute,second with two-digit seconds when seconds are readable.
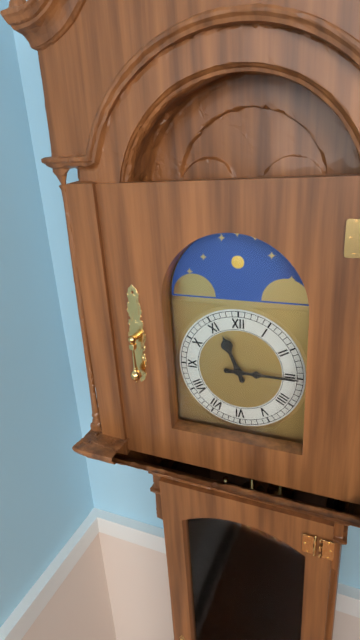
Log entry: 11,15
